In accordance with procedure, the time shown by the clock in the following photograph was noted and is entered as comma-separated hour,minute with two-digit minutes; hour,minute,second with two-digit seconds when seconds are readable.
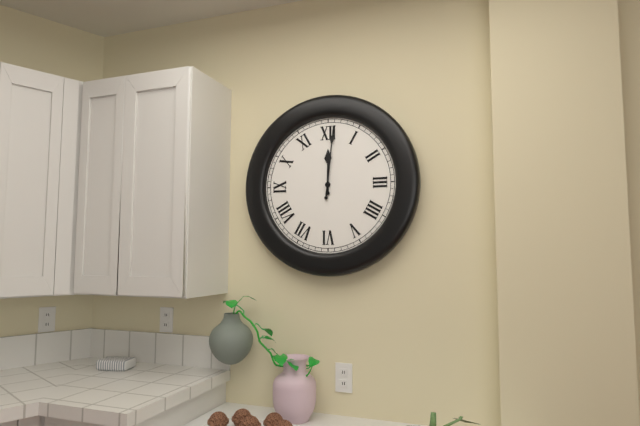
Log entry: 12,01
